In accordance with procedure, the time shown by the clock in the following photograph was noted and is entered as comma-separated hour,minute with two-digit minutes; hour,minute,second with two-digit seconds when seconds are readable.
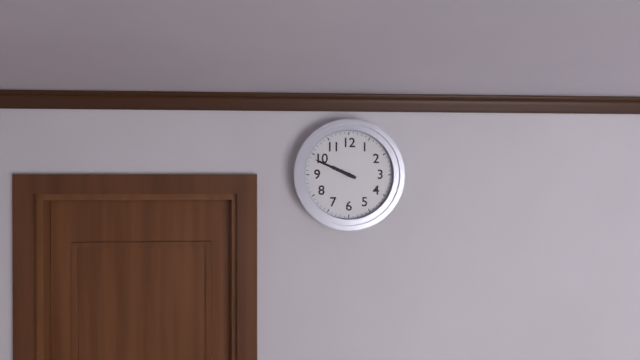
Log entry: 9,49
